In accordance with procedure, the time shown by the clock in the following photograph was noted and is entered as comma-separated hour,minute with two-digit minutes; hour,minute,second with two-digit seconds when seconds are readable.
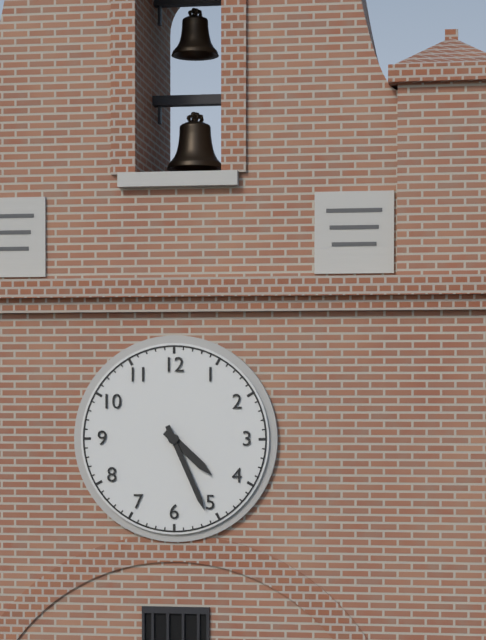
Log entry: 4,26
